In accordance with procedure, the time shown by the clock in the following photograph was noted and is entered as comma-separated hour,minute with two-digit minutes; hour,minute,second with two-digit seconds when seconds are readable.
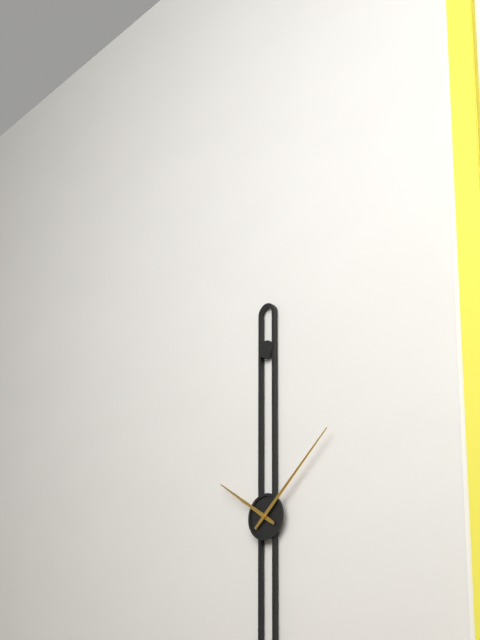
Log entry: 10,08
